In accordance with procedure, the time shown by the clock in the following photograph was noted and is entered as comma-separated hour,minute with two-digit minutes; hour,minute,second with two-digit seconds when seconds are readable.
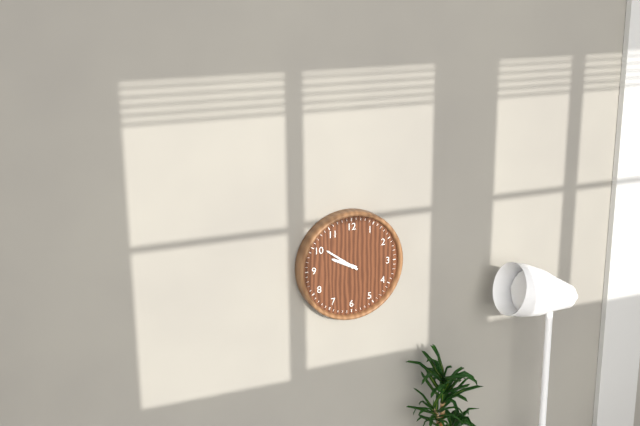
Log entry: 9,51
